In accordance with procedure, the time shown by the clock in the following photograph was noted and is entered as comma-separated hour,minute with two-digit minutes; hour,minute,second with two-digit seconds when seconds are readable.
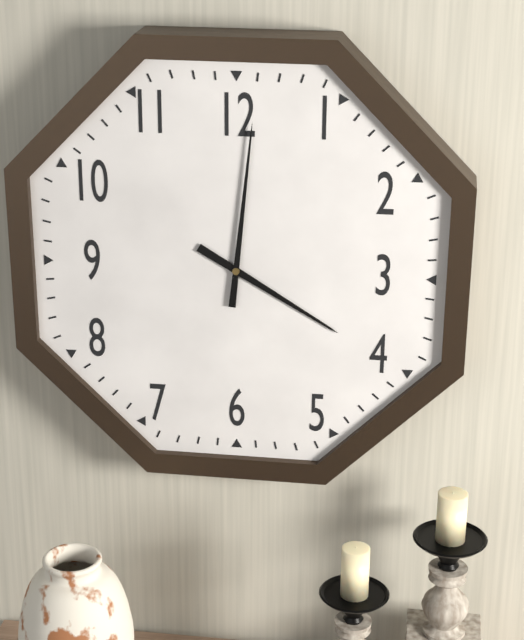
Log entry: 4,01
